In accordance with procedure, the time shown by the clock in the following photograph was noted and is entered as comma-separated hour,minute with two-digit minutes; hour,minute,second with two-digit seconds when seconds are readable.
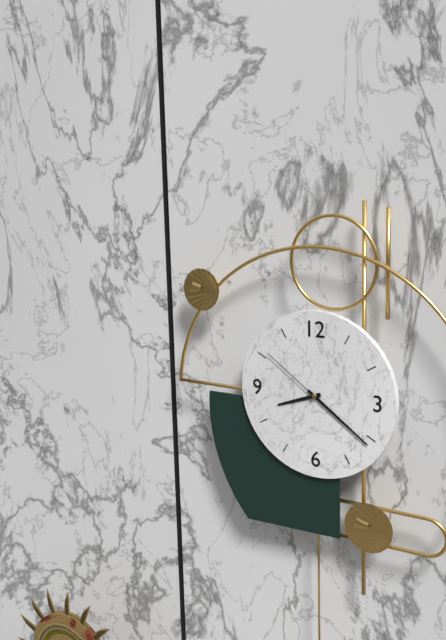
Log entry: 8,21,51
